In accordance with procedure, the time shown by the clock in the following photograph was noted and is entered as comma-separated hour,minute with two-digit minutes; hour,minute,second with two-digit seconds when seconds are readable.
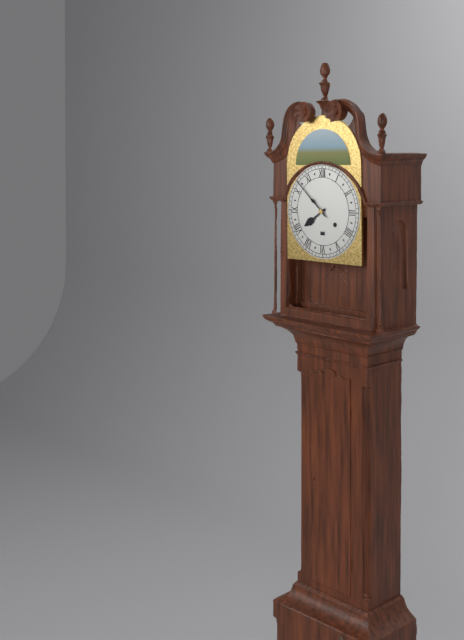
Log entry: 7,52
